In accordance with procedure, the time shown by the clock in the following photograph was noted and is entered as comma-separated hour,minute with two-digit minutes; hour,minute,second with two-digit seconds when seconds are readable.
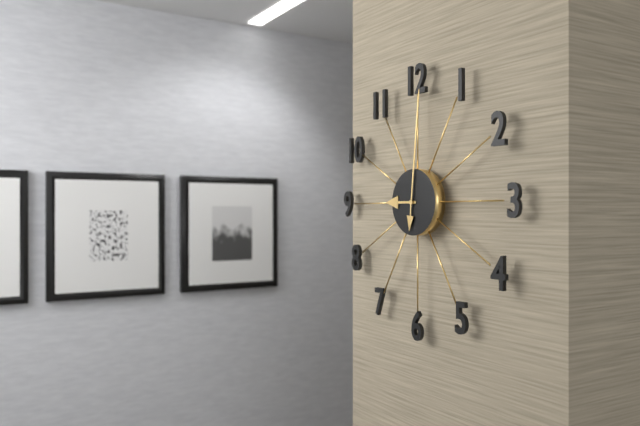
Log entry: 9,01
